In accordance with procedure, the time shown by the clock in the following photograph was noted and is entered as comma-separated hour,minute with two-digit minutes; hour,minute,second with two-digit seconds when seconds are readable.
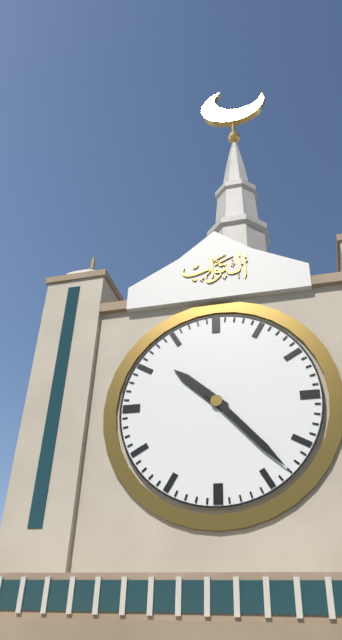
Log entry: 10,23
